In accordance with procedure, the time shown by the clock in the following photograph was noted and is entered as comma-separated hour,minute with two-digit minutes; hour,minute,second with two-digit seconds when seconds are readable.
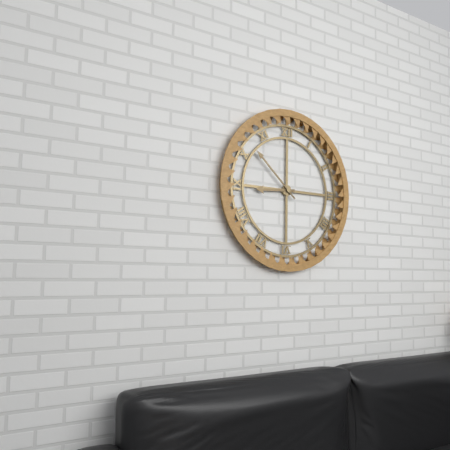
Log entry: 8,52
